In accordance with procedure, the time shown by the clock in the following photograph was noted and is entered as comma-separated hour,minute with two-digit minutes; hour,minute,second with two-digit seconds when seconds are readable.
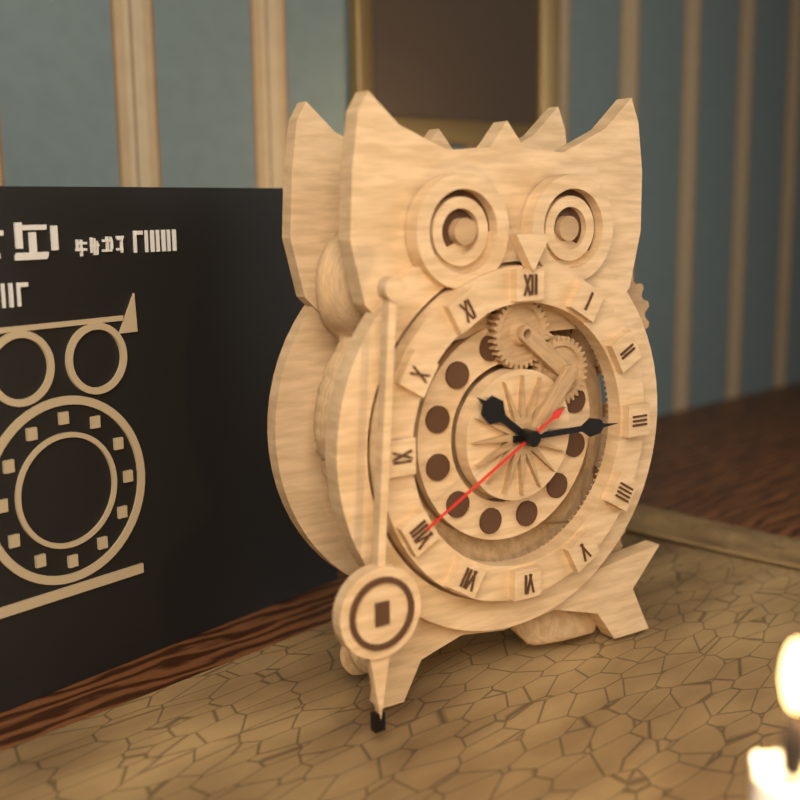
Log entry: 10,15,40
